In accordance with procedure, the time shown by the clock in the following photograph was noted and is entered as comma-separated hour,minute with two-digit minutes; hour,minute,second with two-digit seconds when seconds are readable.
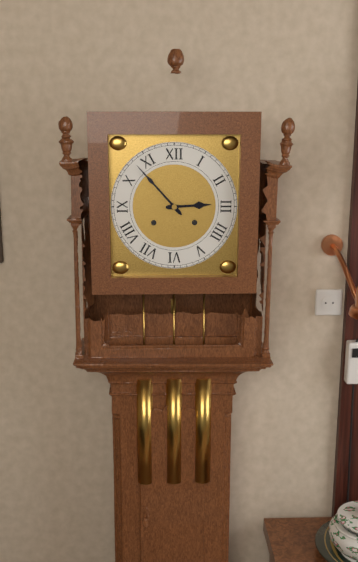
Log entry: 2,53
